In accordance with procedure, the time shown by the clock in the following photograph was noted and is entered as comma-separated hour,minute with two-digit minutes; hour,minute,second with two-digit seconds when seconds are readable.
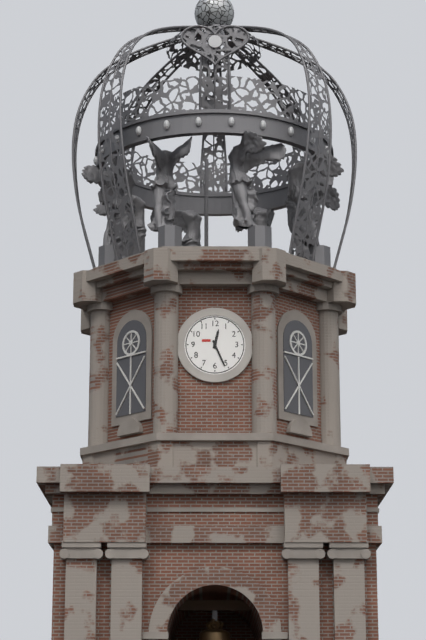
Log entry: 12,26
